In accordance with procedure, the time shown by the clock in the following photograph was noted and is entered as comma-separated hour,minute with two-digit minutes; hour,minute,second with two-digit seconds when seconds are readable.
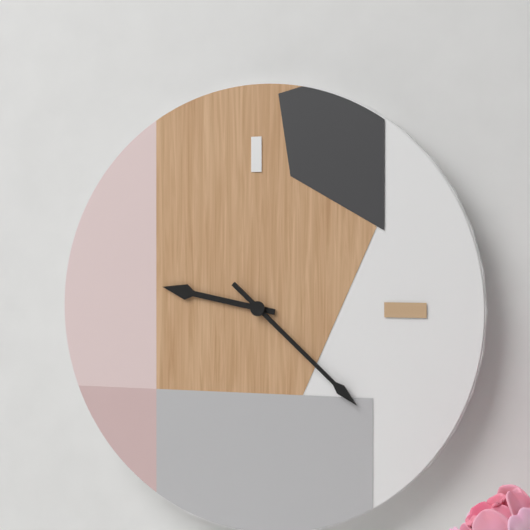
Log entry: 9,22
